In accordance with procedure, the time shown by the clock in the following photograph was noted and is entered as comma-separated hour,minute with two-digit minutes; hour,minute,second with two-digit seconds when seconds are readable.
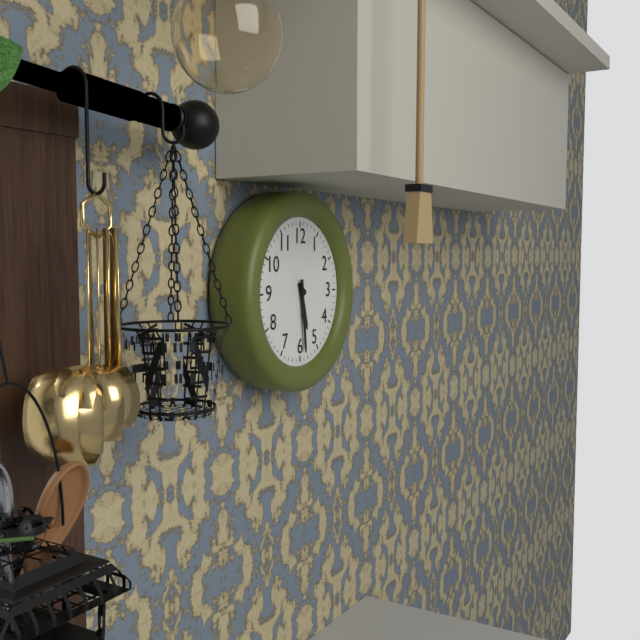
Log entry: 5,29
